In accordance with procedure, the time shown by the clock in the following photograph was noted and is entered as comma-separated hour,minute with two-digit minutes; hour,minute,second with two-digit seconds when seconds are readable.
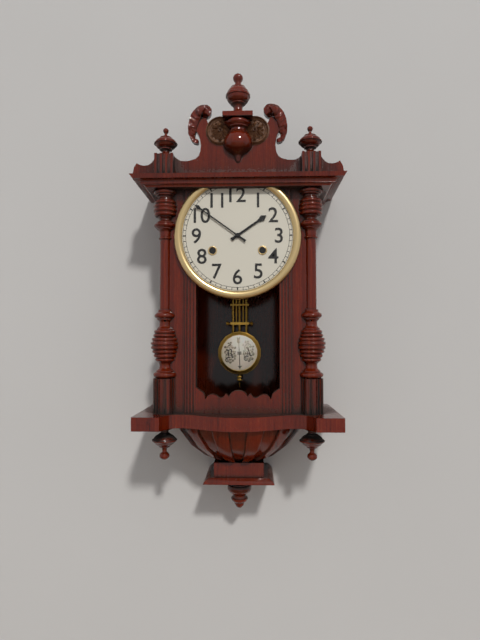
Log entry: 1,51
